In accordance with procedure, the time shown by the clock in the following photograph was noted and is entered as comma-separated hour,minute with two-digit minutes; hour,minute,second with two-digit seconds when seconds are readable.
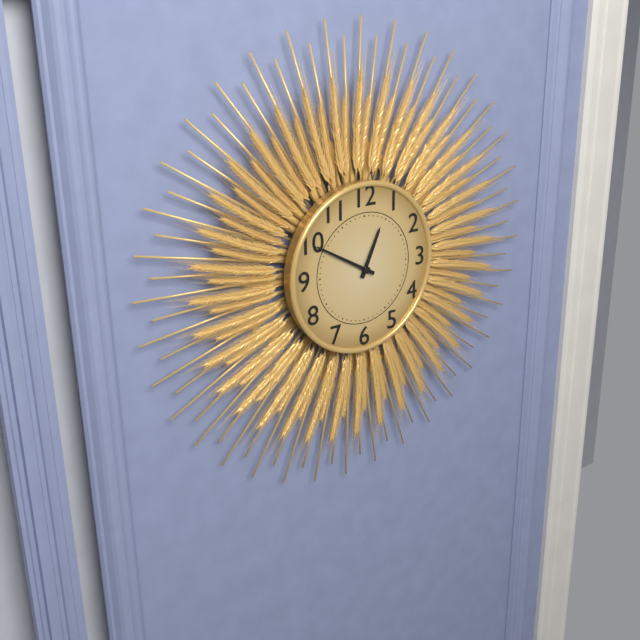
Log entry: 12,50
